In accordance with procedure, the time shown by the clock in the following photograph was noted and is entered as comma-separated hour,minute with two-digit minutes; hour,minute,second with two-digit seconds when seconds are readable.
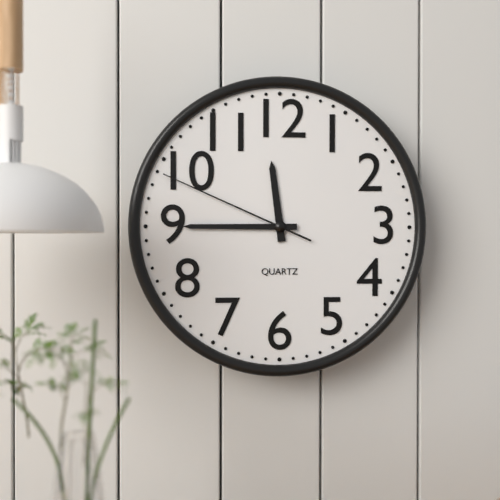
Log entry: 11,45,49
